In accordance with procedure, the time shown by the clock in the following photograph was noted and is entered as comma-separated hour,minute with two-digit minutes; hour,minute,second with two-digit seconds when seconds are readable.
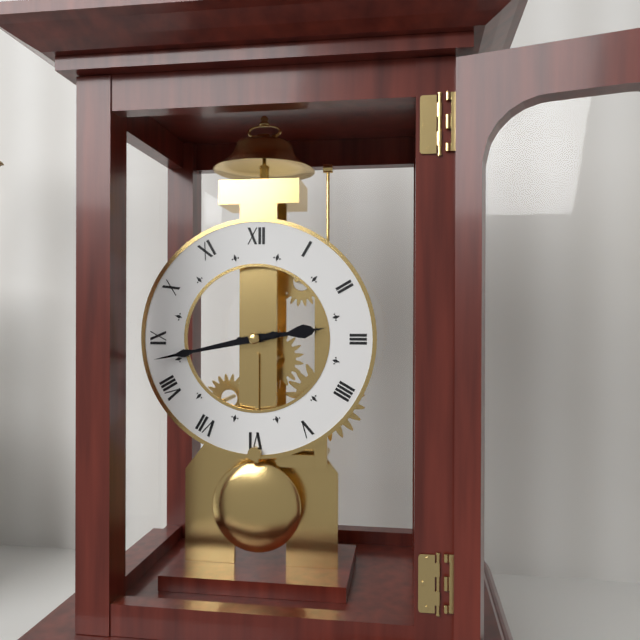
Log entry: 2,43
